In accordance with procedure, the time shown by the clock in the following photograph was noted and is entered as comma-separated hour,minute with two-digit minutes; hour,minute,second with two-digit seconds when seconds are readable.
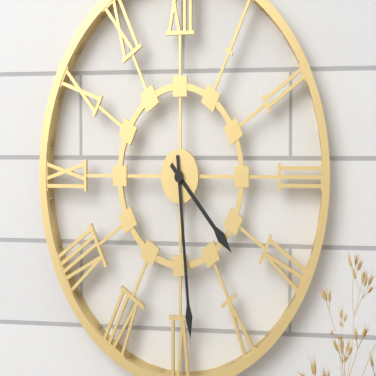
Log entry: 4,29
